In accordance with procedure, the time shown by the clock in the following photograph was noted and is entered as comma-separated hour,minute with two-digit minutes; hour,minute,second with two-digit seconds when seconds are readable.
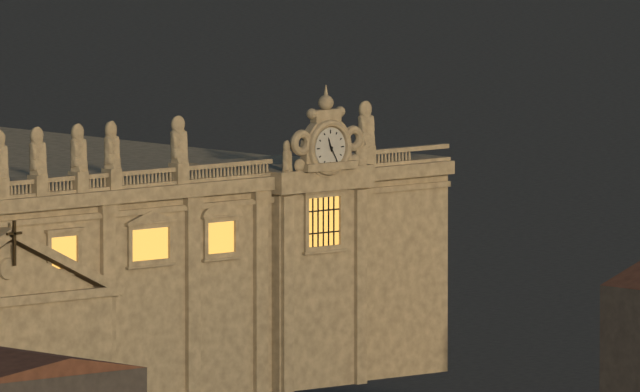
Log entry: 11,25
